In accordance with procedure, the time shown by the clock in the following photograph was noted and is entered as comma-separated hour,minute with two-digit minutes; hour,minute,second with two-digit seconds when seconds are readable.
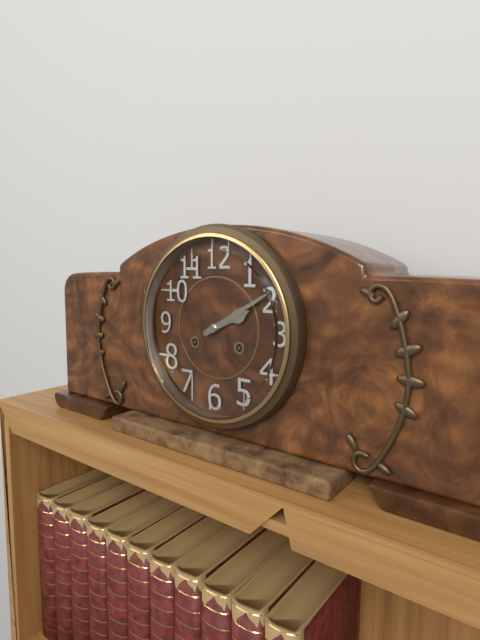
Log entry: 2,10
